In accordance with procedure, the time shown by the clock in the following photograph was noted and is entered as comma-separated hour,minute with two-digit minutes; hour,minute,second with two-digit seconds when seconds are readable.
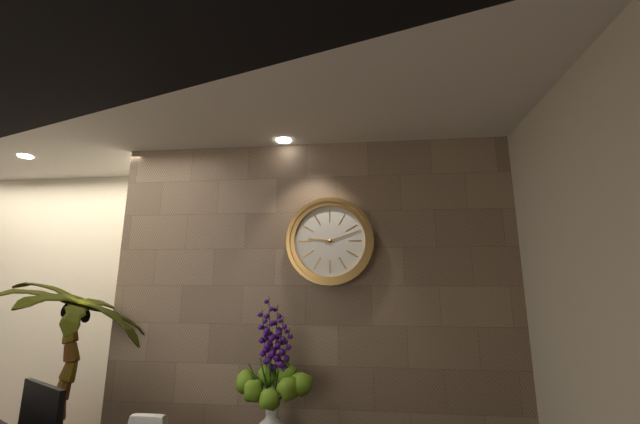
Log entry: 9,12
